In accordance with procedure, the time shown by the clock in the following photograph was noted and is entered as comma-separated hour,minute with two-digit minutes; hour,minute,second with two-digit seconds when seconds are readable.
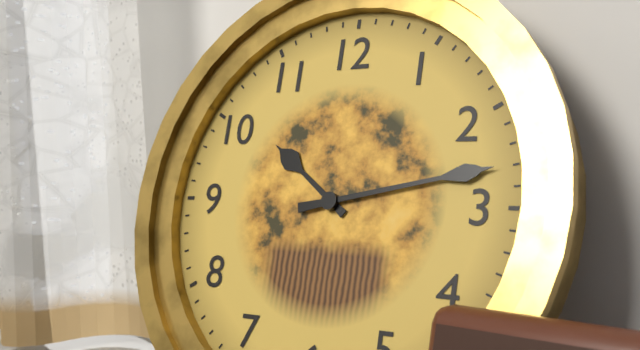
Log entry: 10,13
